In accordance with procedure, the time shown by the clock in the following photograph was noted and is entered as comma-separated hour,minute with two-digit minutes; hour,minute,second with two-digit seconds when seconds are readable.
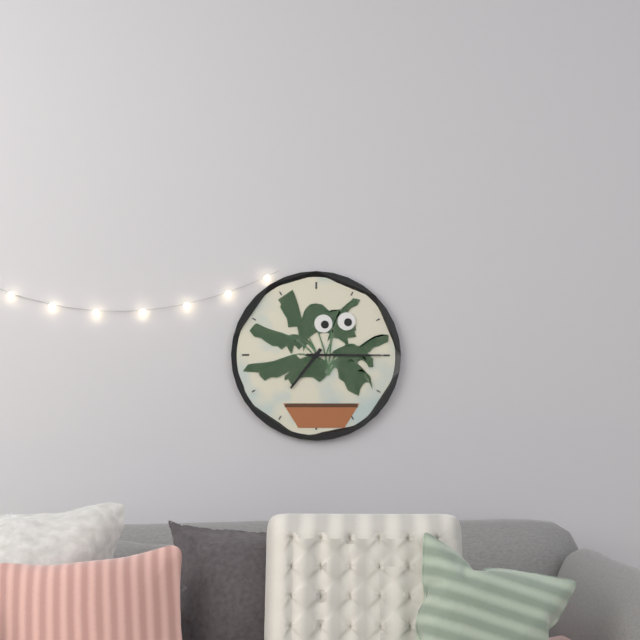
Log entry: 7,15
